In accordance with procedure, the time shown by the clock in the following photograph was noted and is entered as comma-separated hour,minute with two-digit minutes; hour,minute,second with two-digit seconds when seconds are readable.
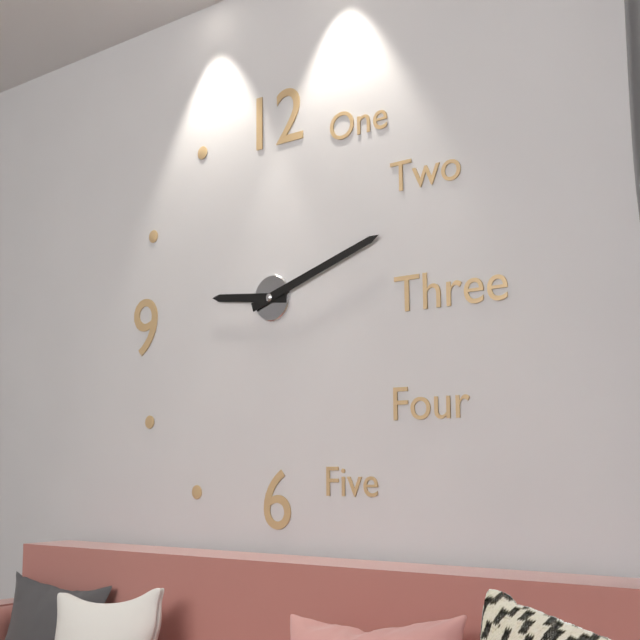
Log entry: 9,12
